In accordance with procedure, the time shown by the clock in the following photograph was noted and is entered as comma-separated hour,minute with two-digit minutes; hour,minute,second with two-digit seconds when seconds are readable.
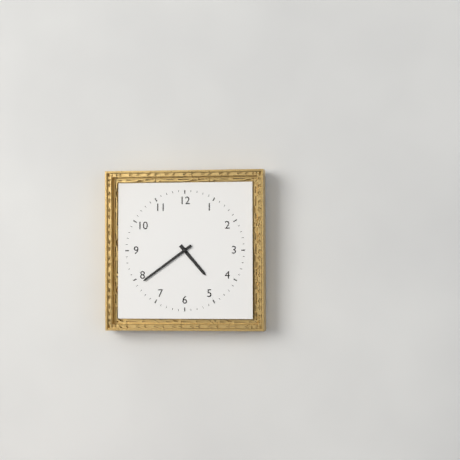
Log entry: 4,39
